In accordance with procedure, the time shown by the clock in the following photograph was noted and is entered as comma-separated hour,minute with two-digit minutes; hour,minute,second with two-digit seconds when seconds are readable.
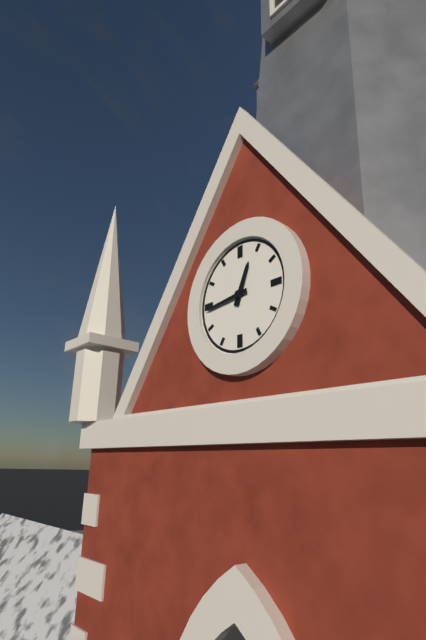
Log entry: 12,44
